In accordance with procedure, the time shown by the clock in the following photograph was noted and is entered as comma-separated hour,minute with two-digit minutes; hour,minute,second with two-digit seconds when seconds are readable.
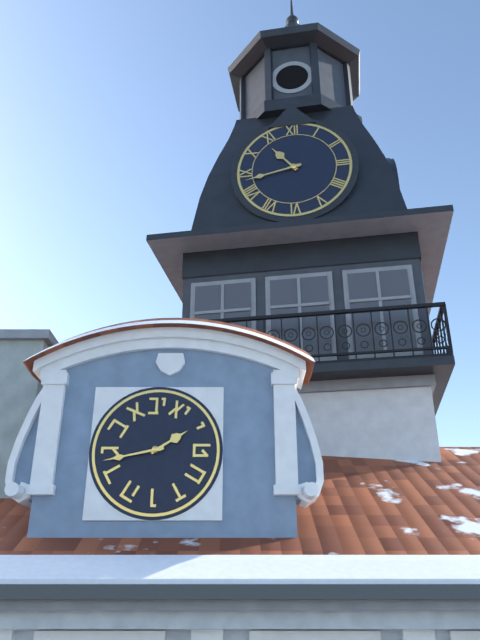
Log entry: 10,43
